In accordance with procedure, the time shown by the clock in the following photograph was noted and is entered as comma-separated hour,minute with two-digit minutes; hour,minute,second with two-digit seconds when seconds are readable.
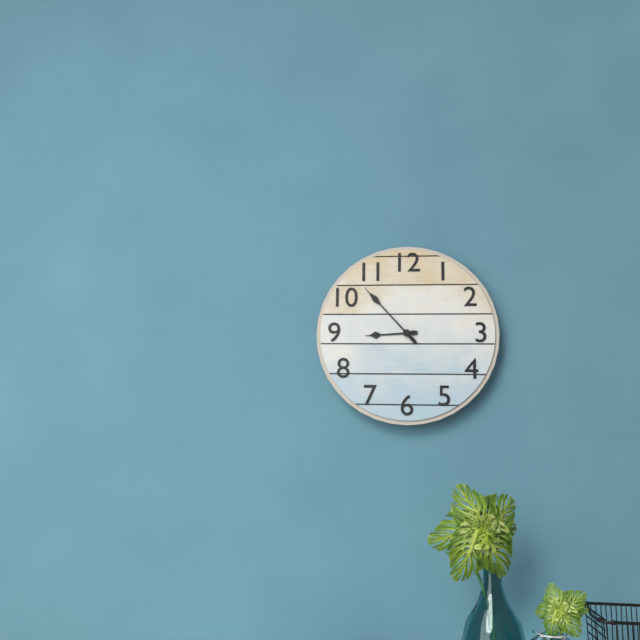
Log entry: 8,53
